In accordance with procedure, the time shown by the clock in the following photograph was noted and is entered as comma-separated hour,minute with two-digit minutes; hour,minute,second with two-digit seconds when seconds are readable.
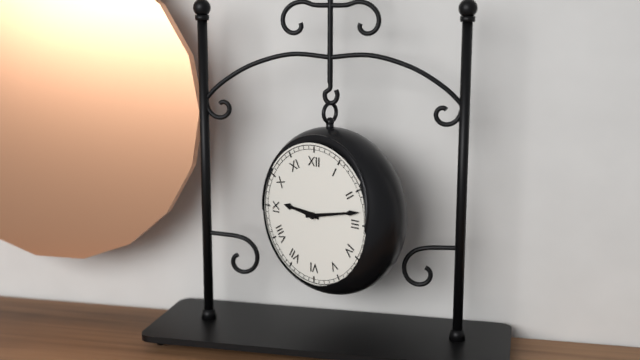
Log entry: 9,13
